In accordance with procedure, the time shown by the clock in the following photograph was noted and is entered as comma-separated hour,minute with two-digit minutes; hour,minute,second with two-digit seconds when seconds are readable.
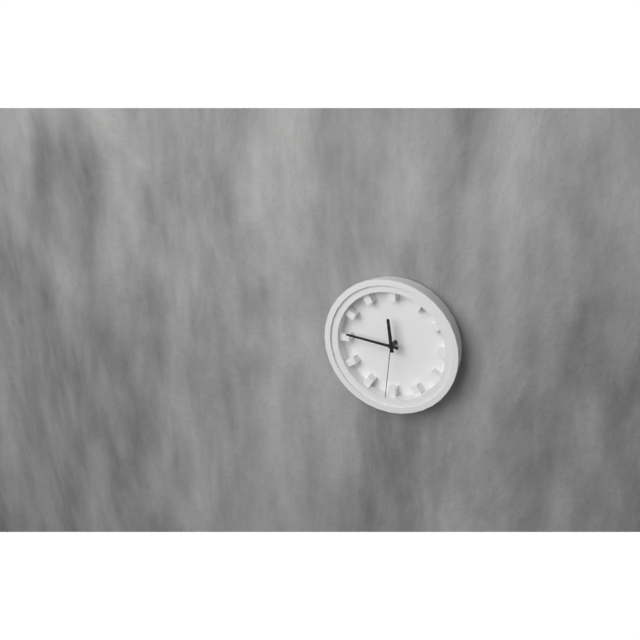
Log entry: 11,46,31
